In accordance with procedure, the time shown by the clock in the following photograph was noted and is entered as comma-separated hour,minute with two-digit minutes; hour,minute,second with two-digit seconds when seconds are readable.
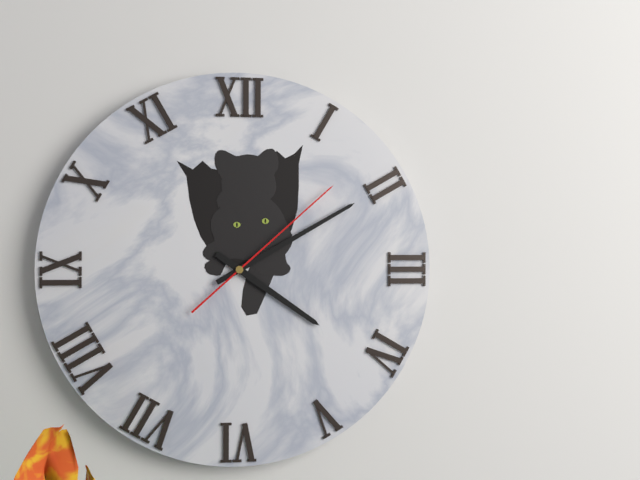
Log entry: 4,10,08
